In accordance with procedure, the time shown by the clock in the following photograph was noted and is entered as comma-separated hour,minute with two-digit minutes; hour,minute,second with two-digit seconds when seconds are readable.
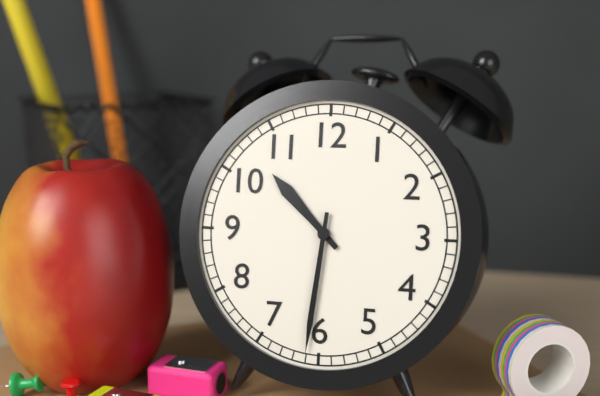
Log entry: 10,31
